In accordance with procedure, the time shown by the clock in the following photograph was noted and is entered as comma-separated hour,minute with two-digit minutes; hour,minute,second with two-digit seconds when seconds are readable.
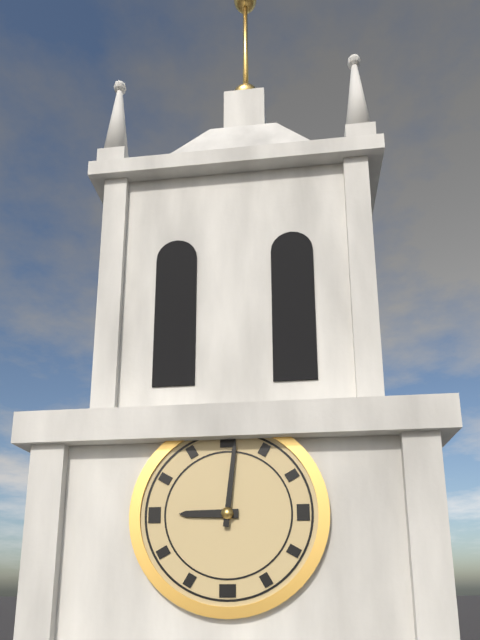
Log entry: 9,01
